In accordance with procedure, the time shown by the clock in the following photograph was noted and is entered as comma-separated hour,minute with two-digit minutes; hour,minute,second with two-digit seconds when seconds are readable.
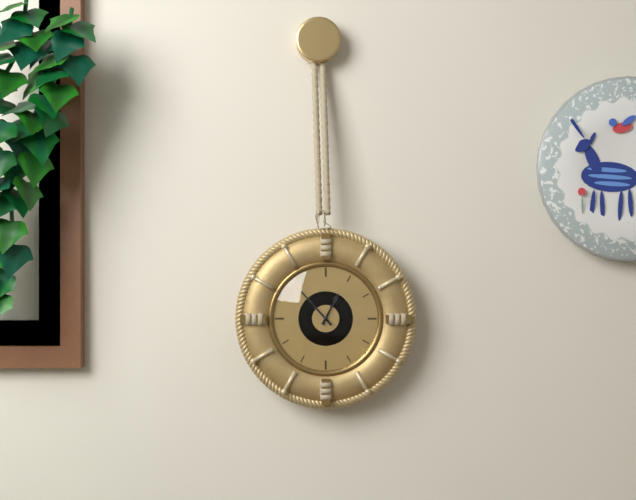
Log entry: 12,53
